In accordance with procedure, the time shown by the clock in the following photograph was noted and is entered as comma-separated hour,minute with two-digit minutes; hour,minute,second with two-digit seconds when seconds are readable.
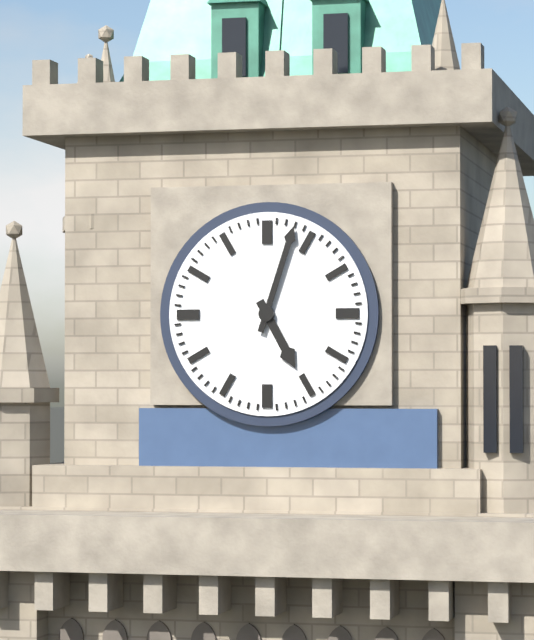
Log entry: 5,03
